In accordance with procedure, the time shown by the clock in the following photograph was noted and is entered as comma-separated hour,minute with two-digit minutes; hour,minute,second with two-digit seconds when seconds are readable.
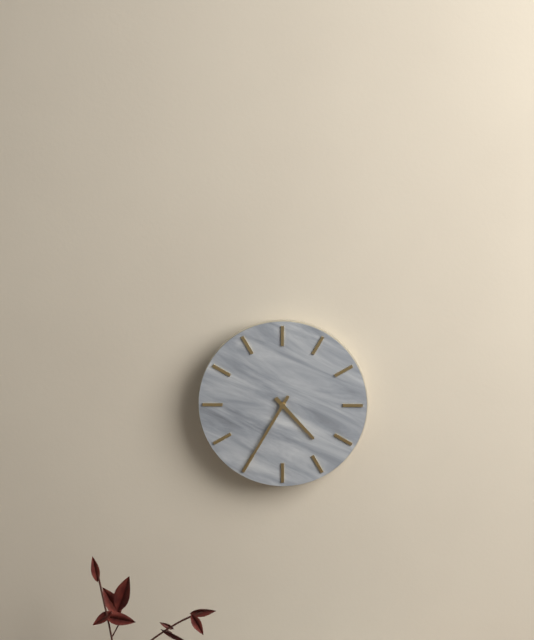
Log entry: 4,35
